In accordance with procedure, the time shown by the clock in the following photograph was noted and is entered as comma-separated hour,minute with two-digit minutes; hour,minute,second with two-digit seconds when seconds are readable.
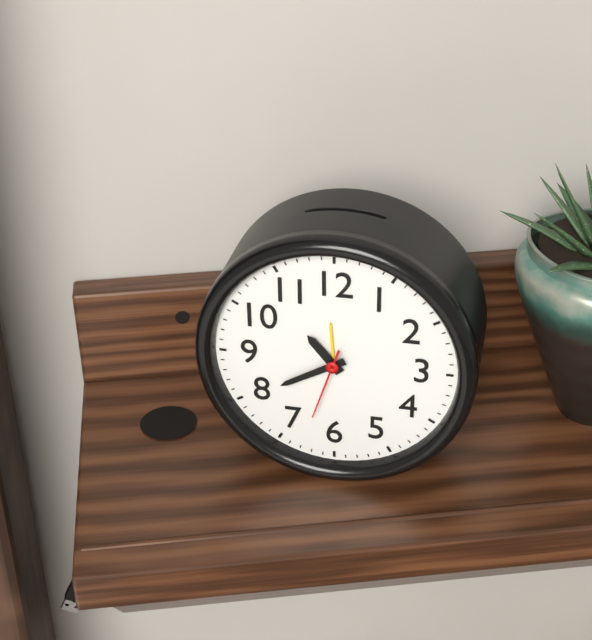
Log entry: 10,40,33
